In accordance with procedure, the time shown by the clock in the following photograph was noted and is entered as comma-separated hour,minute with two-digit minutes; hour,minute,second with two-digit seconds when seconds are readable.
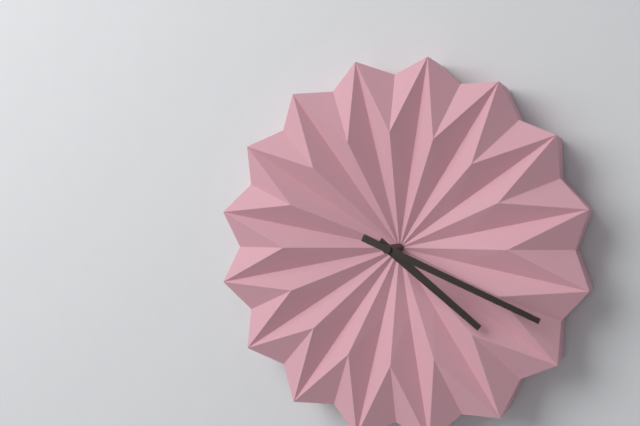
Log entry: 4,19
